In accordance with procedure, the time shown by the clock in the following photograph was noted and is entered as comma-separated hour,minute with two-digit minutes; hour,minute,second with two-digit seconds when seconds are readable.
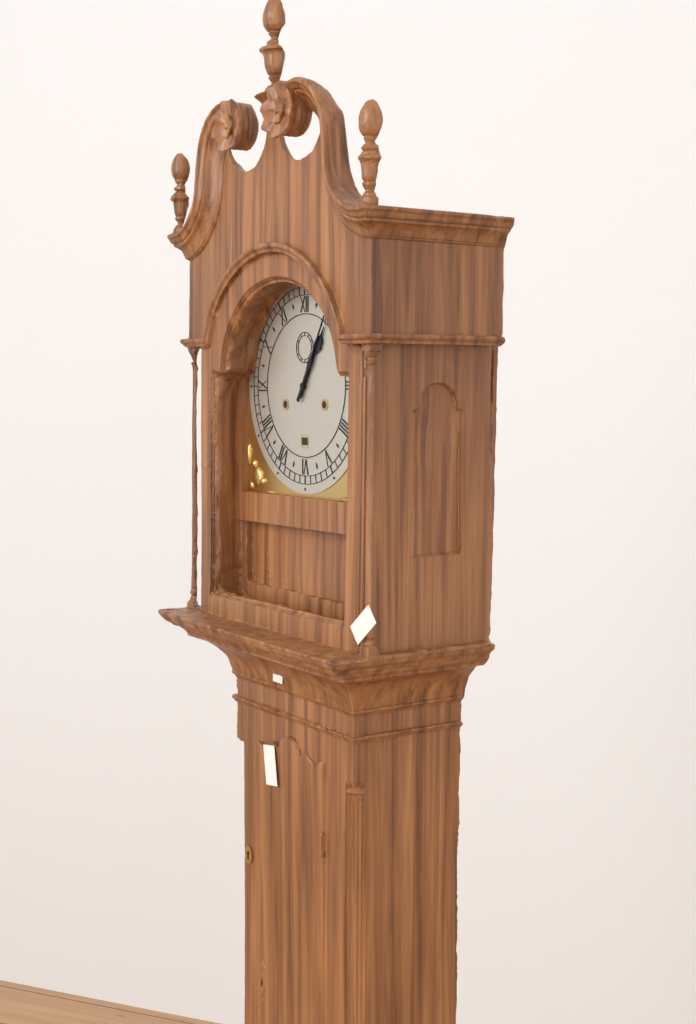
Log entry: 1,05
